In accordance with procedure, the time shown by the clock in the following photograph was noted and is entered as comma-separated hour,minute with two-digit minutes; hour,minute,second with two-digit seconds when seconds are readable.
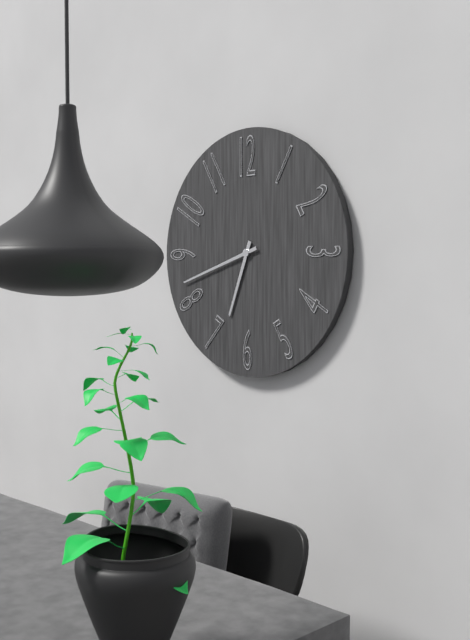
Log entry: 6,42
